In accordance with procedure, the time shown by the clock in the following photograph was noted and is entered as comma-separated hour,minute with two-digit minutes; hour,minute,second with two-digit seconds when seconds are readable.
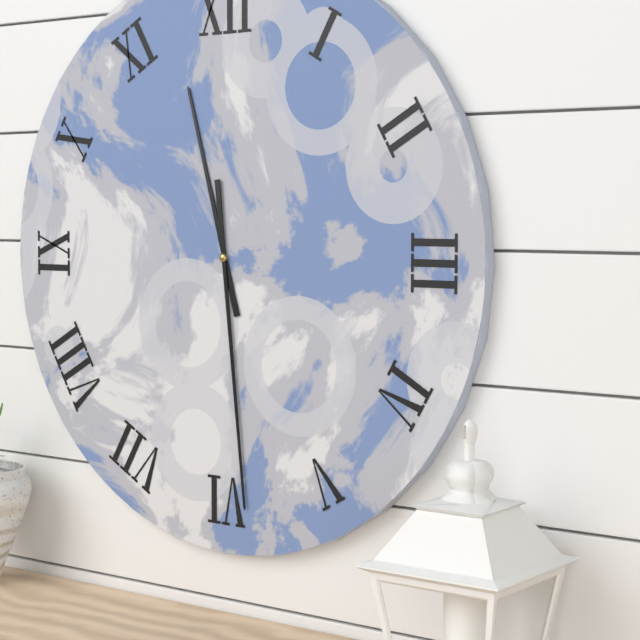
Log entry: 11,29
